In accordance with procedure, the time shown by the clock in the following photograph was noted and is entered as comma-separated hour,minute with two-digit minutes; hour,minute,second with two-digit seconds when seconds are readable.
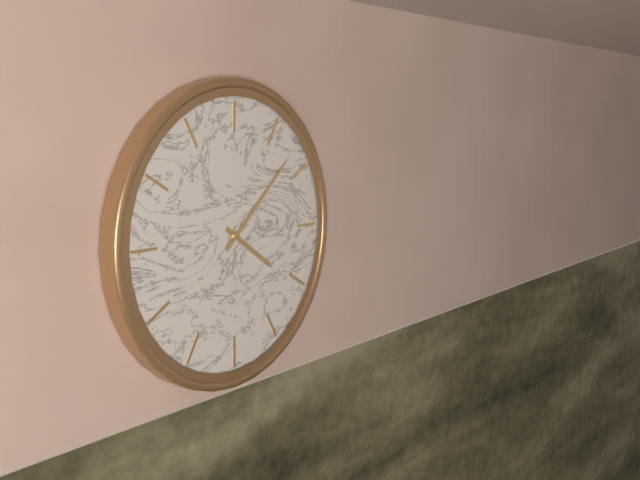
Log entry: 4,08
